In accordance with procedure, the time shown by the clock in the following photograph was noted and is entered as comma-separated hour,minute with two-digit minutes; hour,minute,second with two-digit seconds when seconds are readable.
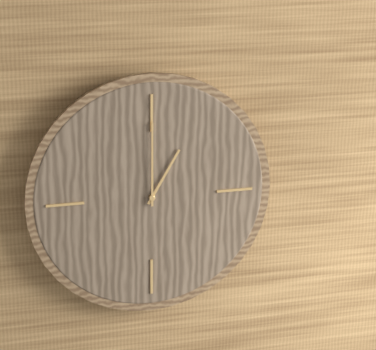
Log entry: 1,00
